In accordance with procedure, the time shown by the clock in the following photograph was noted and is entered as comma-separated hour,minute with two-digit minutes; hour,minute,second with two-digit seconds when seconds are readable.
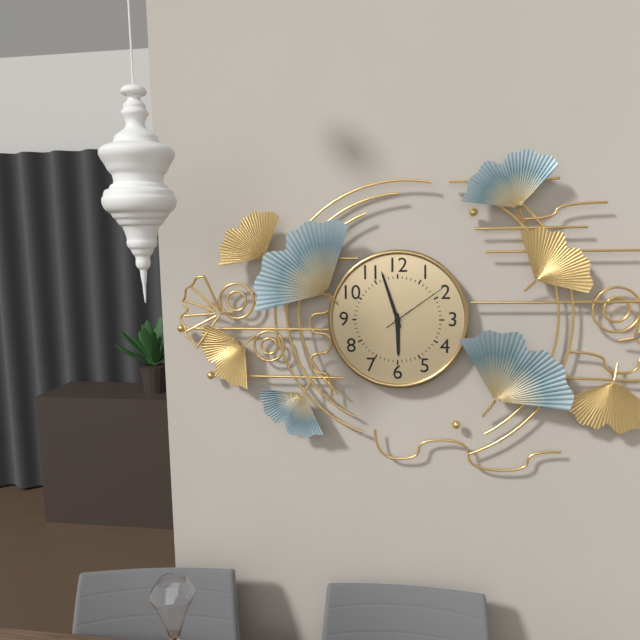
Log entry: 5,57,09
